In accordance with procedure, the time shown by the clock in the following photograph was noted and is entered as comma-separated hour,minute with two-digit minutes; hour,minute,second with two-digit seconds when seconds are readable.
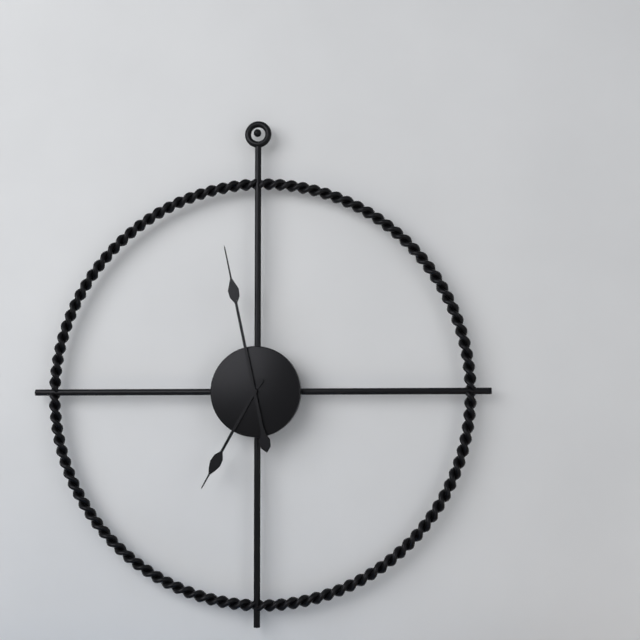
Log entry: 6,58
